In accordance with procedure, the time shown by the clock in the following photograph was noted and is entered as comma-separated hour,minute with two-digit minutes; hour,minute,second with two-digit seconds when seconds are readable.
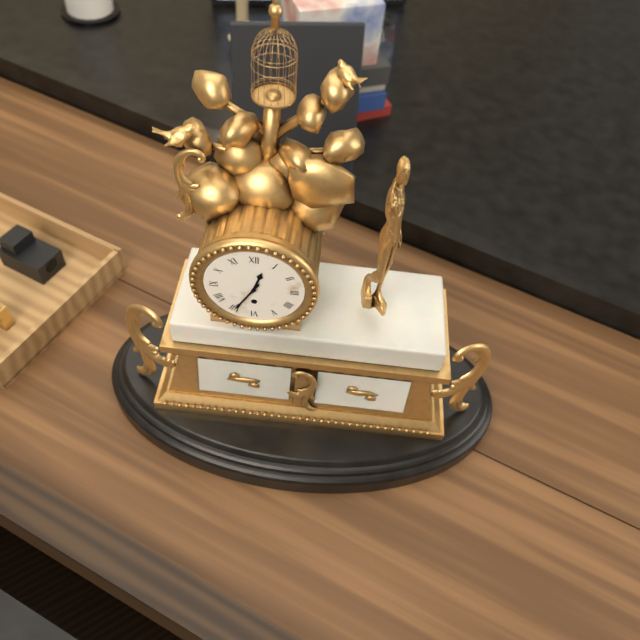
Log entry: 12,35
